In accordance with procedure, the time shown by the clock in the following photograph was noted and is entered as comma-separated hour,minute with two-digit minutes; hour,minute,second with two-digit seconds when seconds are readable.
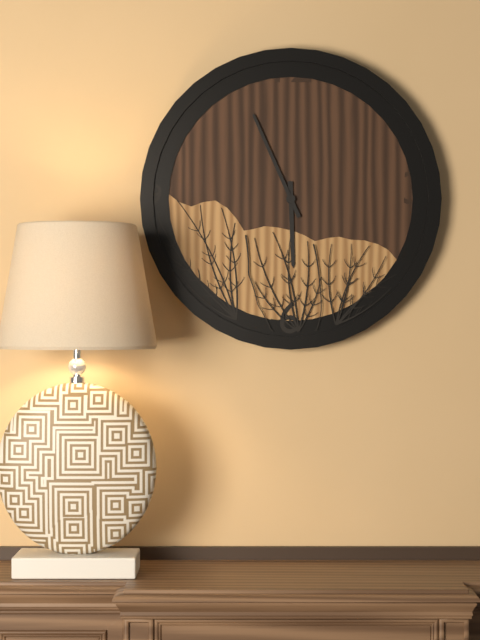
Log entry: 5,56
